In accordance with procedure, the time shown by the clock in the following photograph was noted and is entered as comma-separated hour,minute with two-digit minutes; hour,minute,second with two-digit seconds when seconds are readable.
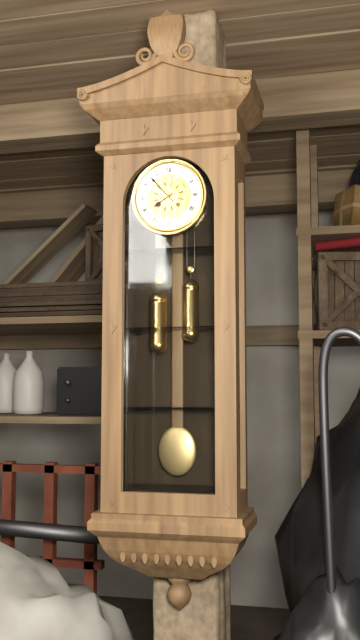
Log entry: 7,53
